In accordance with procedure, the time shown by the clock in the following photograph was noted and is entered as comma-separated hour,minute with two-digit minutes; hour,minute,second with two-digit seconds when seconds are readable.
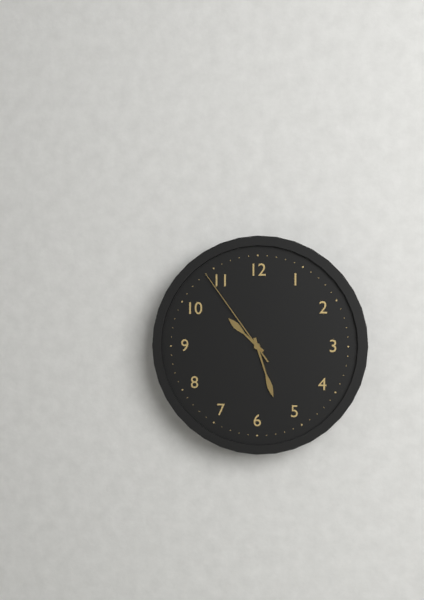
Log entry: 10,27,54
